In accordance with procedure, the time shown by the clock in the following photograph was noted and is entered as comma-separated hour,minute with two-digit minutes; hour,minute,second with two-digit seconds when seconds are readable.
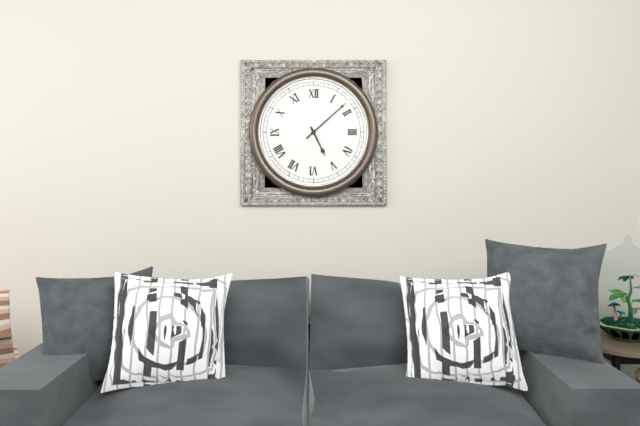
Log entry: 5,08
